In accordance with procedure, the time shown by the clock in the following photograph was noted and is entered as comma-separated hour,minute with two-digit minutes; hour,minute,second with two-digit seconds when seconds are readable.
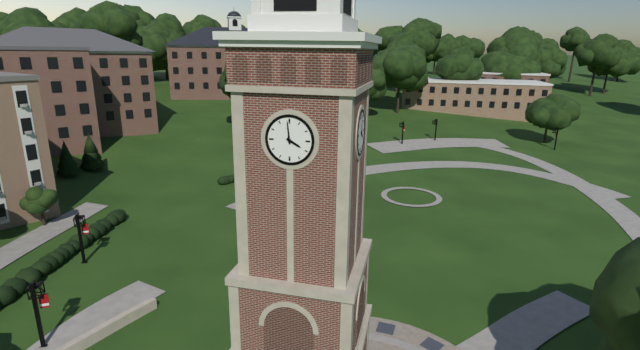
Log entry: 3,59
